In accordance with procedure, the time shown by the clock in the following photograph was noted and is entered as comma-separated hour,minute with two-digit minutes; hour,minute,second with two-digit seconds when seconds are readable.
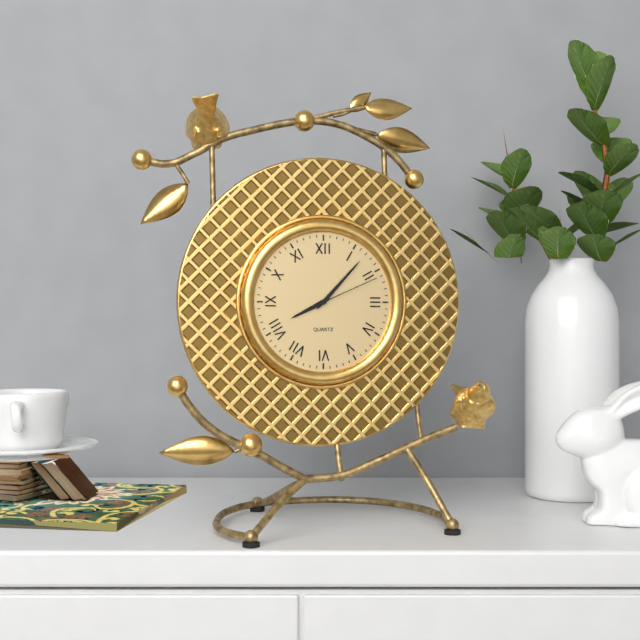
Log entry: 8,07,11
